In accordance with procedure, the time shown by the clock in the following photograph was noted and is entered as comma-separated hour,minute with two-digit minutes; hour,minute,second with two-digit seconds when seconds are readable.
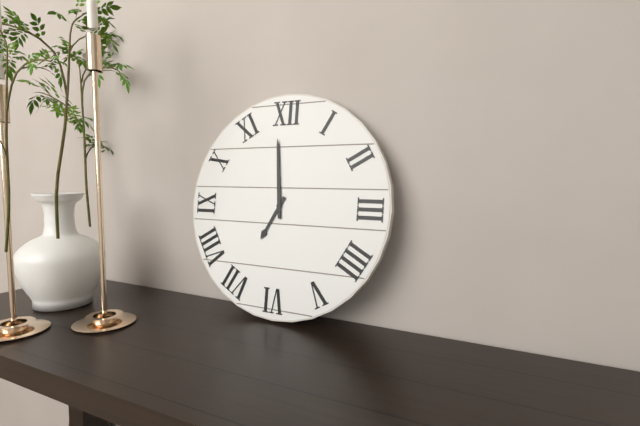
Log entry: 6,59
